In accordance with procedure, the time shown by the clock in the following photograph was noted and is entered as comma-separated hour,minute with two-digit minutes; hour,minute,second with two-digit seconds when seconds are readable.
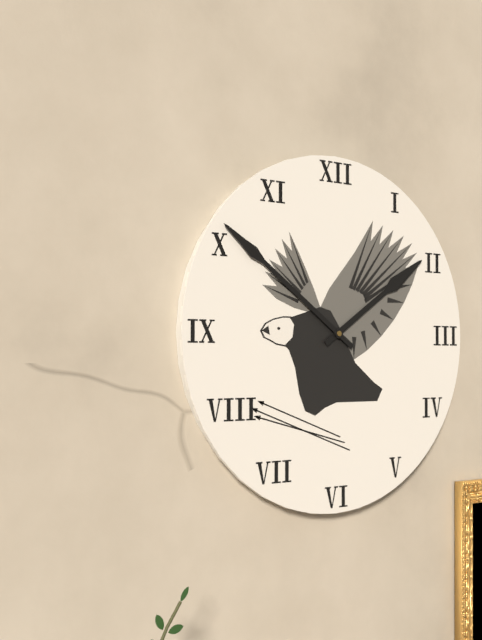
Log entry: 1,51
